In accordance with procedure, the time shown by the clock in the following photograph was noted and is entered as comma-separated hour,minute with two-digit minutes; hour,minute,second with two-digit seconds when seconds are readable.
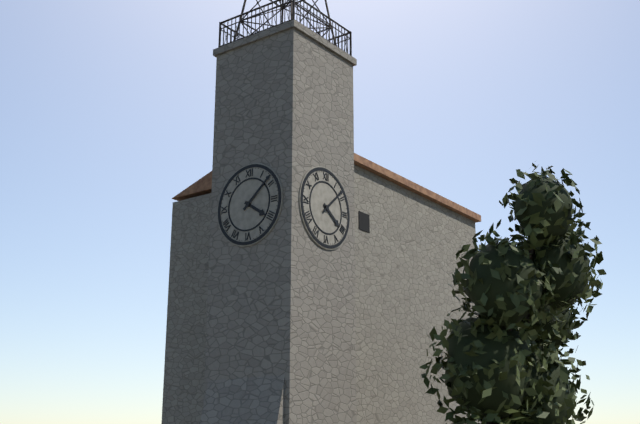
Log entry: 4,08
